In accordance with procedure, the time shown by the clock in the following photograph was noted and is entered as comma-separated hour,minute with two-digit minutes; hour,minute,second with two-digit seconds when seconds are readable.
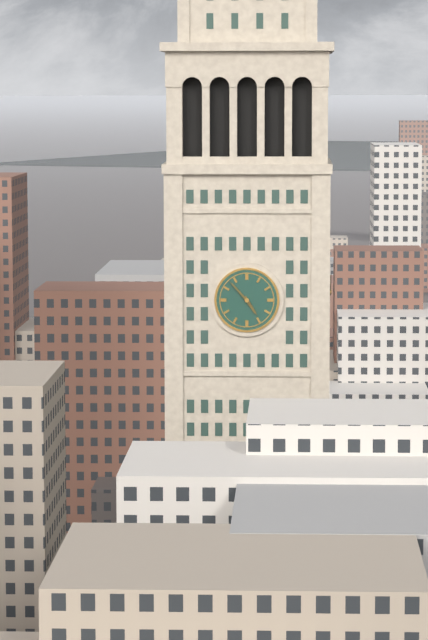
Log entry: 4,53
